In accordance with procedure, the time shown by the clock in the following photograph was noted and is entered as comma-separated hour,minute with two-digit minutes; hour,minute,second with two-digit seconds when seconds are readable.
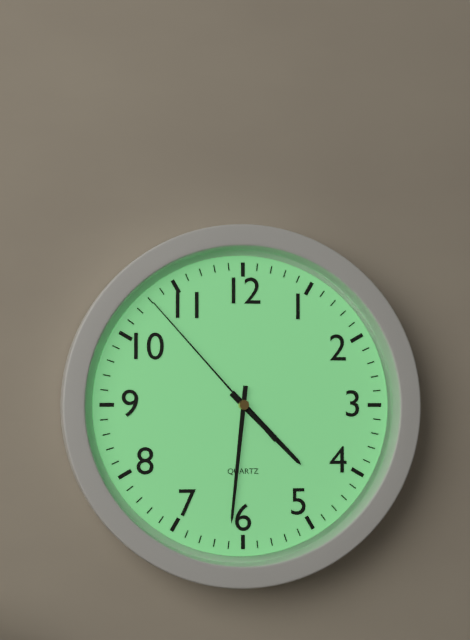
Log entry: 4,31,53
